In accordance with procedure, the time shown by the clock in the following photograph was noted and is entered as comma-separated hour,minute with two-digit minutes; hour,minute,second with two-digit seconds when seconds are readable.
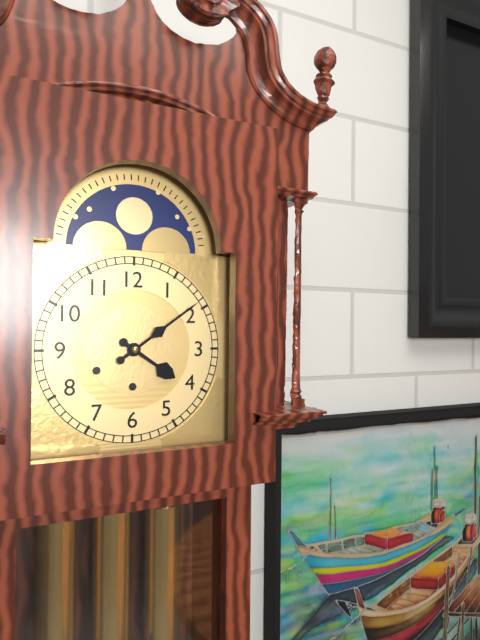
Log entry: 4,09
